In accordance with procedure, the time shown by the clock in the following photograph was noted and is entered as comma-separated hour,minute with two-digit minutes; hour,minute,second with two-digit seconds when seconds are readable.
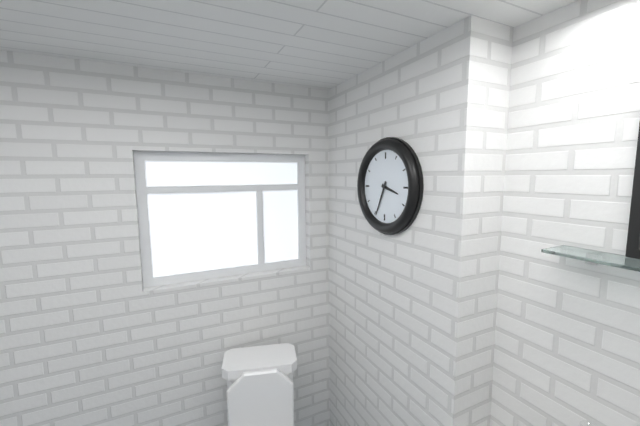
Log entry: 3,34
